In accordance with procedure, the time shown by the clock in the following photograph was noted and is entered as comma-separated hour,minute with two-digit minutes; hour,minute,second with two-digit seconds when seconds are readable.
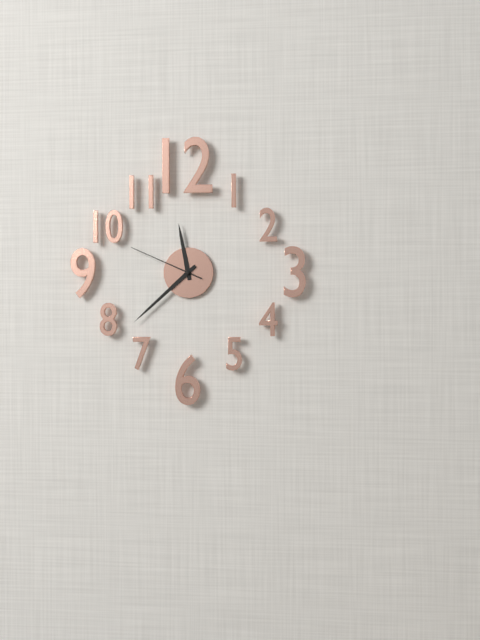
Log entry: 11,38,49
